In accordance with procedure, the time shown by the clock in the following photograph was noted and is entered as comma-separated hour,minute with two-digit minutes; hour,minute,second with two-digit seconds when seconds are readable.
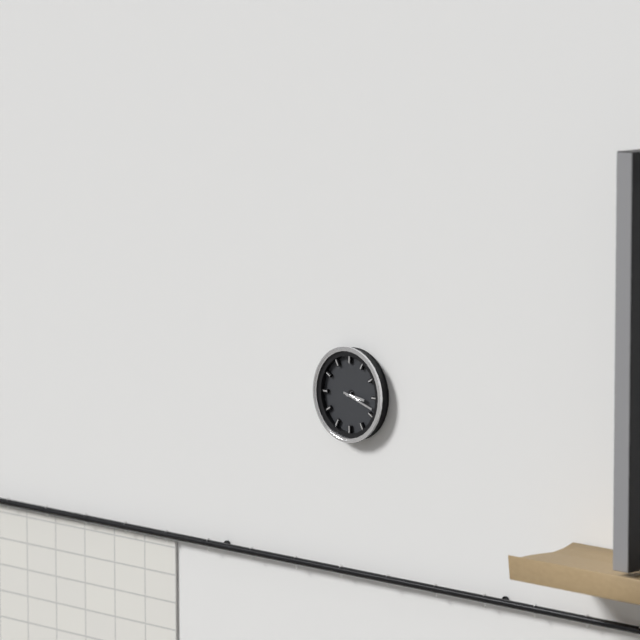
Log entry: 3,18
